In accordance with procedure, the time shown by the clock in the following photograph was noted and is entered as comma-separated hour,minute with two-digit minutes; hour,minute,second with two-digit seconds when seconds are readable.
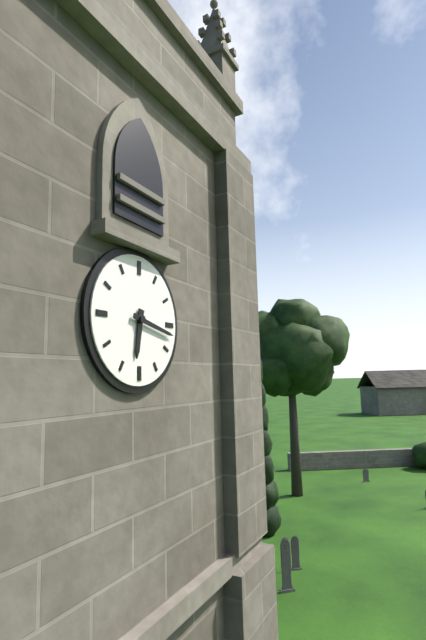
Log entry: 6,17
